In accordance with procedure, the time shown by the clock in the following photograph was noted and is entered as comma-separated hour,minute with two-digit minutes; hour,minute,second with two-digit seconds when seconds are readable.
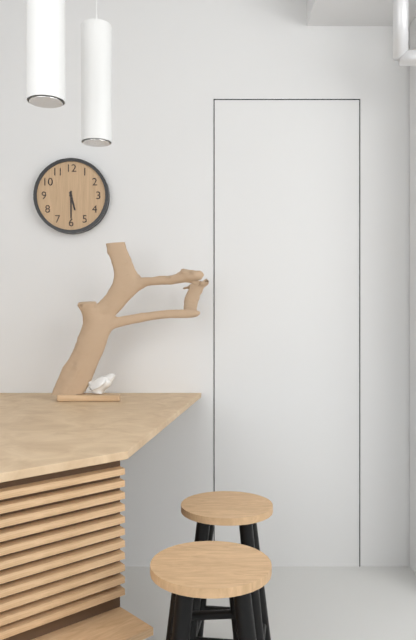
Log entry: 5,30
